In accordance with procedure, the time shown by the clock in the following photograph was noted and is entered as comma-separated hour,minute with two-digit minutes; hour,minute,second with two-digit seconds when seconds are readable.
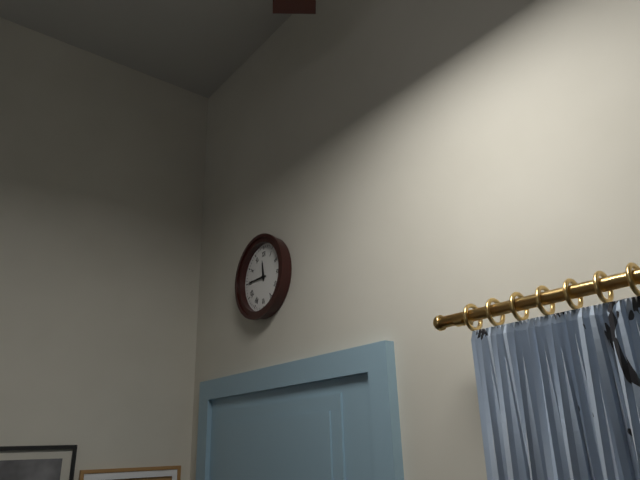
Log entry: 11,45
